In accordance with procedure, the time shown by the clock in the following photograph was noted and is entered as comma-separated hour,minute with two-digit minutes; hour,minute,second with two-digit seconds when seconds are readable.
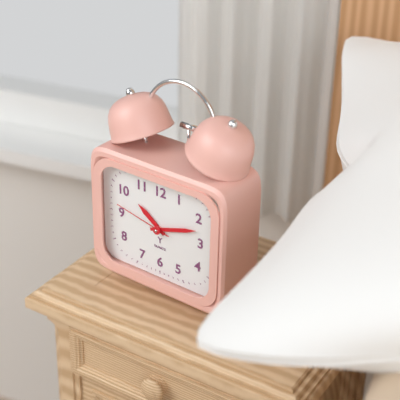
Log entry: 10,12,47
